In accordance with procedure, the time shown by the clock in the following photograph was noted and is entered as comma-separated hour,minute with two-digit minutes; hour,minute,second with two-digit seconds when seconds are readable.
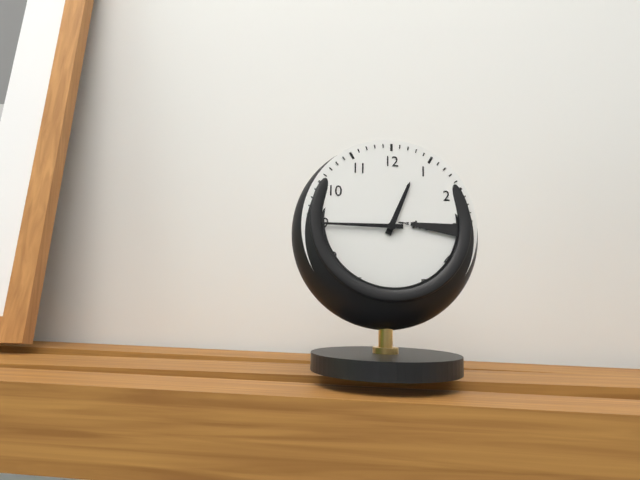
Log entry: 12,45
